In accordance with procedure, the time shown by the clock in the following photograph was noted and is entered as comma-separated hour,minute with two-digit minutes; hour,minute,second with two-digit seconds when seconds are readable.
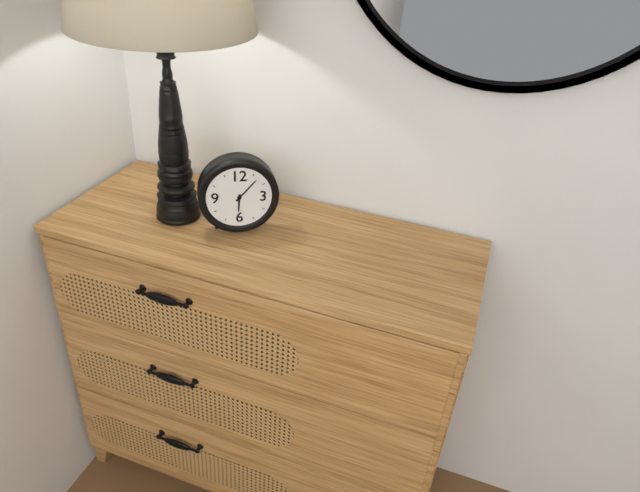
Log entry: 6,07
